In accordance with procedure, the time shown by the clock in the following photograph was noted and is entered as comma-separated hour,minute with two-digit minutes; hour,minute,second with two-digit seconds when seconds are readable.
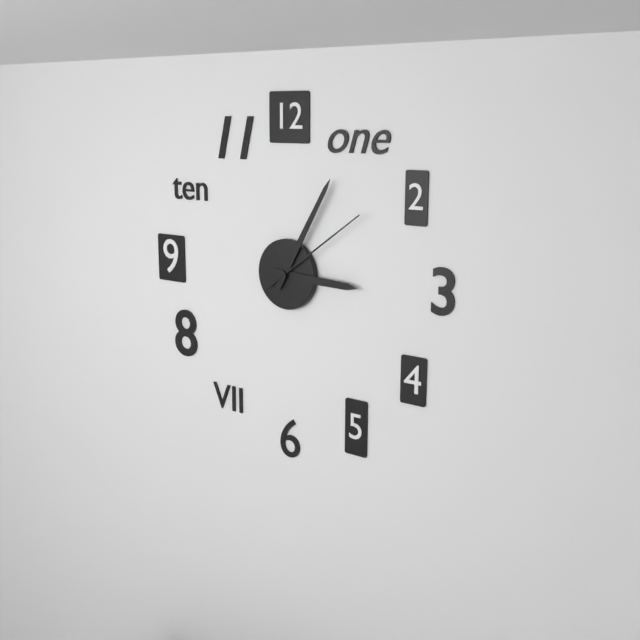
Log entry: 3,05,09
